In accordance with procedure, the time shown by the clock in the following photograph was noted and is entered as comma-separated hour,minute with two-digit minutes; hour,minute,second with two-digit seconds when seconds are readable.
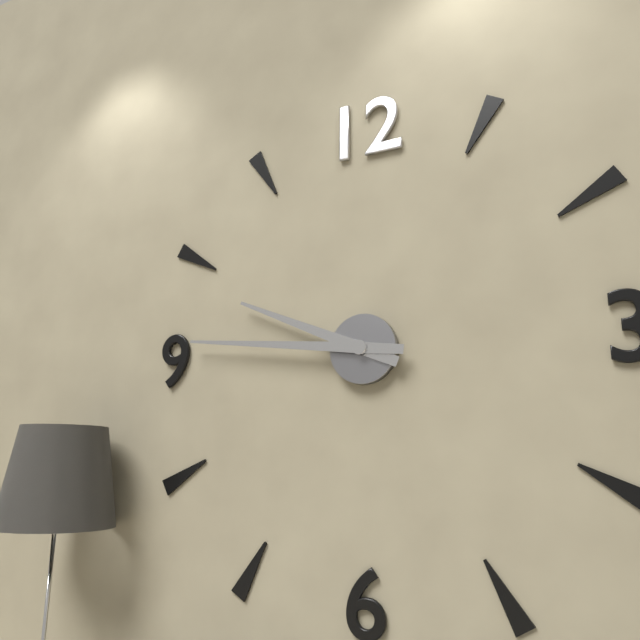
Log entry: 9,46
